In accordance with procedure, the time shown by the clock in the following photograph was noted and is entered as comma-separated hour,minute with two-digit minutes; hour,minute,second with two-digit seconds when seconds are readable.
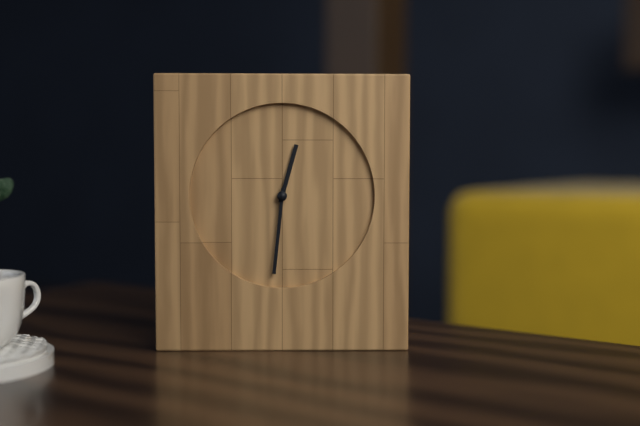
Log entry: 12,31
